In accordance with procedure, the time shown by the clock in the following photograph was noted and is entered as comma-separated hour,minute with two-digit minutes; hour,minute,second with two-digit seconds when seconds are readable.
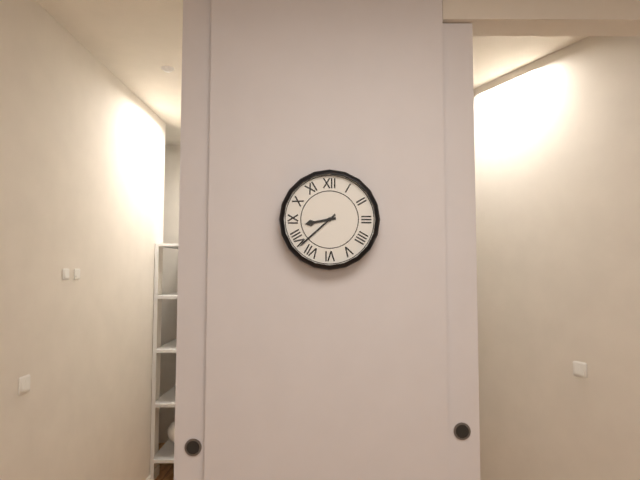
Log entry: 8,38
